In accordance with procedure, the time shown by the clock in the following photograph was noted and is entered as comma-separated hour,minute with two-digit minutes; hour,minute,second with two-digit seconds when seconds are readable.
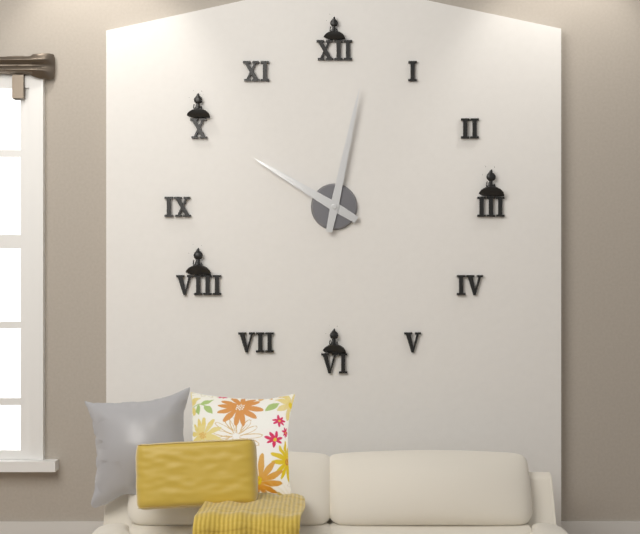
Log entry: 10,02
